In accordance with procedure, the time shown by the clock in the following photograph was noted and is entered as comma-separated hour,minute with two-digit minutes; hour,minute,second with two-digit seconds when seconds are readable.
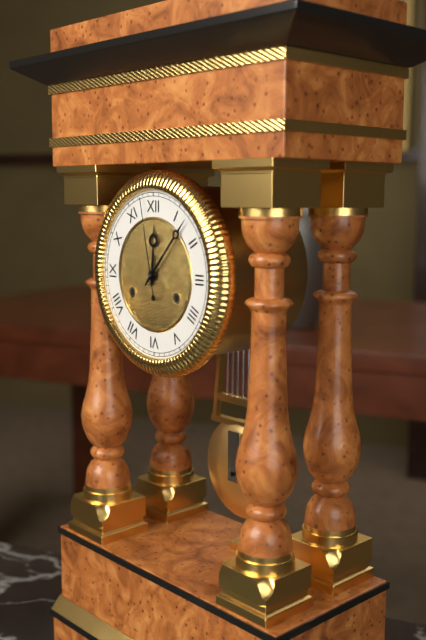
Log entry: 12,07,58
